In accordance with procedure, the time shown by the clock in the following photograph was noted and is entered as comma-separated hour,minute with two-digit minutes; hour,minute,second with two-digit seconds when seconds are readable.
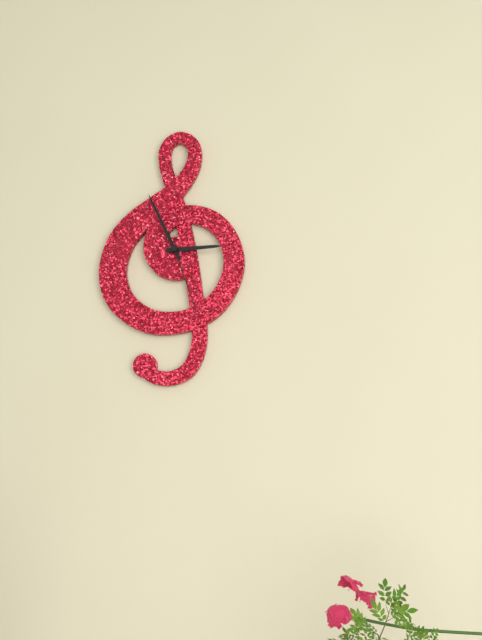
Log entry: 2,56,27
